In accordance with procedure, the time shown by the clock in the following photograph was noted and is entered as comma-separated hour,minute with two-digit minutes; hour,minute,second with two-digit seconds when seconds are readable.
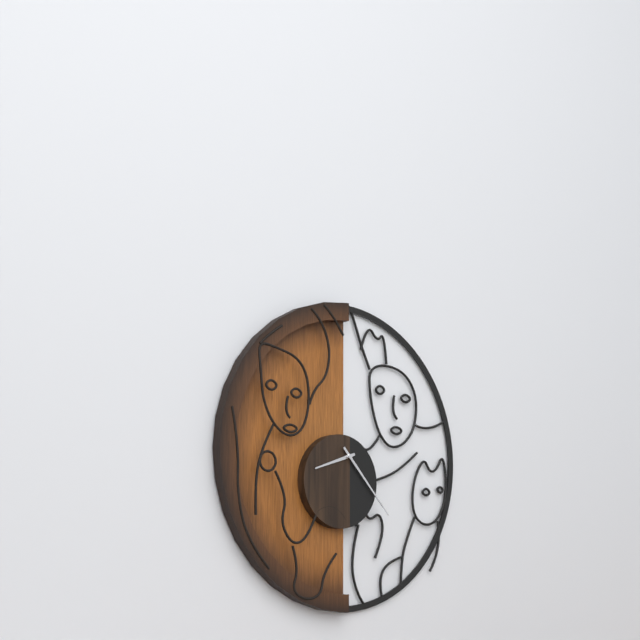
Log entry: 8,23
